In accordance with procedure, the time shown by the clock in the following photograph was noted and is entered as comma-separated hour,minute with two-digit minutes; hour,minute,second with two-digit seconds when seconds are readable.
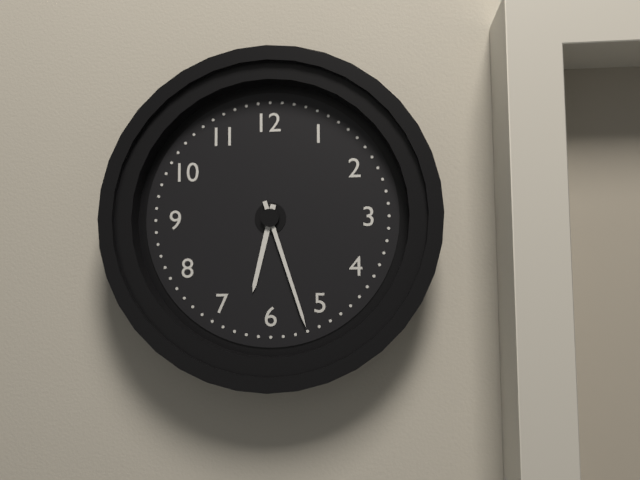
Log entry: 6,27
